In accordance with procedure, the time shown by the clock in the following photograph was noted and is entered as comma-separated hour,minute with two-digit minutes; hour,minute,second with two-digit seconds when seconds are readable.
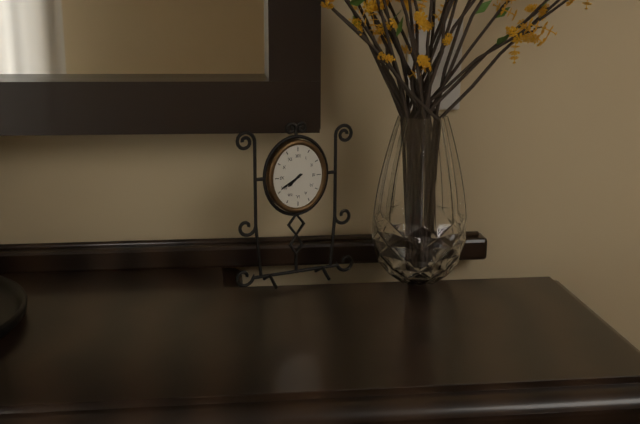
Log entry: 7,40
